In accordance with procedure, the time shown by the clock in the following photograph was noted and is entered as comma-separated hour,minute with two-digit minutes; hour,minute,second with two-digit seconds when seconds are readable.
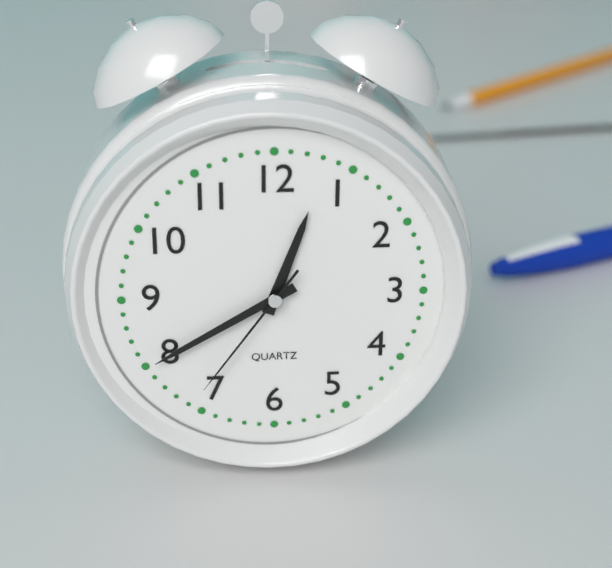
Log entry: 12,40,36
